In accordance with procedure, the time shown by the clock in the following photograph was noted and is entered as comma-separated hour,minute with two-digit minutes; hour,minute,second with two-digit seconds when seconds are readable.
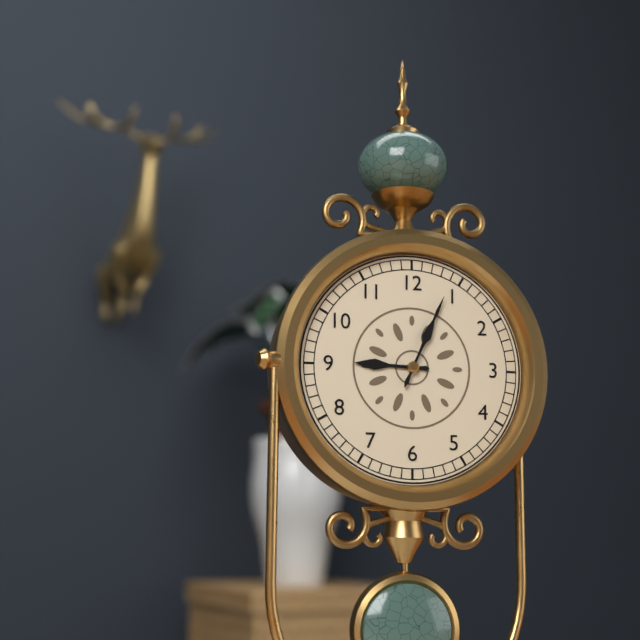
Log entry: 9,04
